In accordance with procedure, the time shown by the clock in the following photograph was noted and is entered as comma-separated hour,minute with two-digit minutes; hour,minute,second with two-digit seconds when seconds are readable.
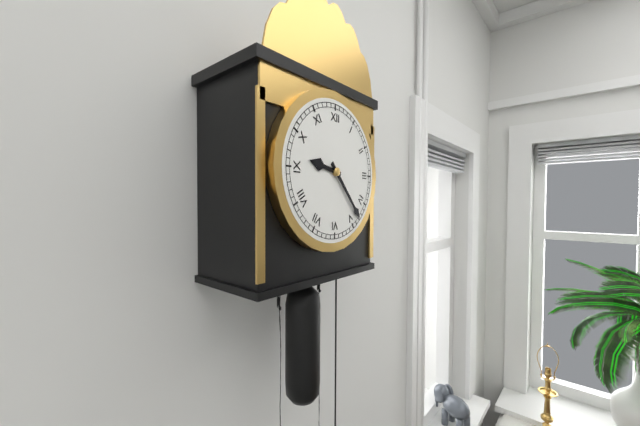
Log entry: 9,23
